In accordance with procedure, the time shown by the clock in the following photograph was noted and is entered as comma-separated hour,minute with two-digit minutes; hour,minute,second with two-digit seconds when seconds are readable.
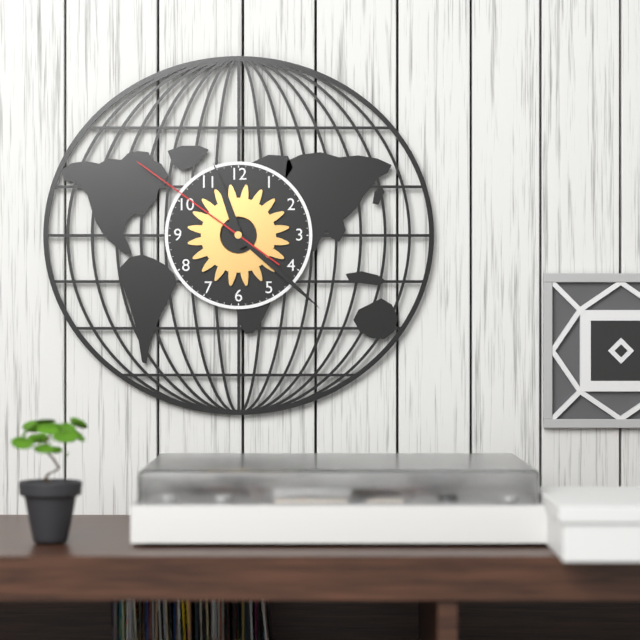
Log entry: 11,22,51
